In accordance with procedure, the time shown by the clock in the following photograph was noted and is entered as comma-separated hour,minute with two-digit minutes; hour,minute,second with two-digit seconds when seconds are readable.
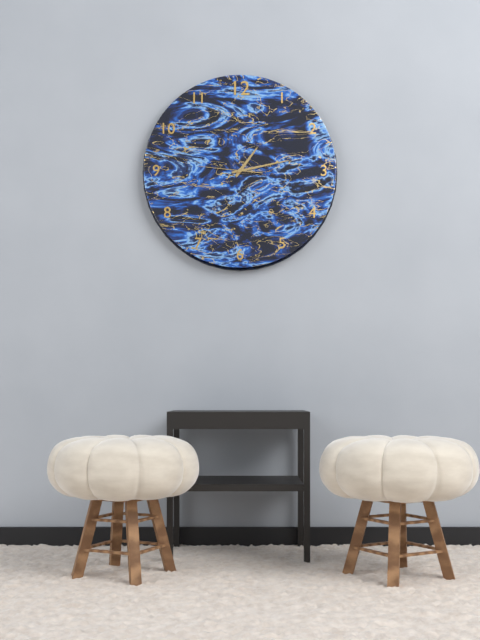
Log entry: 1,13,46
